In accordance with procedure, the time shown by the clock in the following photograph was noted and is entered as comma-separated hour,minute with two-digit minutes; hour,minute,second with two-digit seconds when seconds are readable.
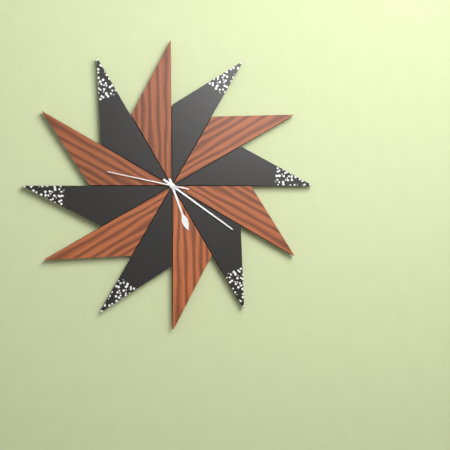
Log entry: 5,21,47
